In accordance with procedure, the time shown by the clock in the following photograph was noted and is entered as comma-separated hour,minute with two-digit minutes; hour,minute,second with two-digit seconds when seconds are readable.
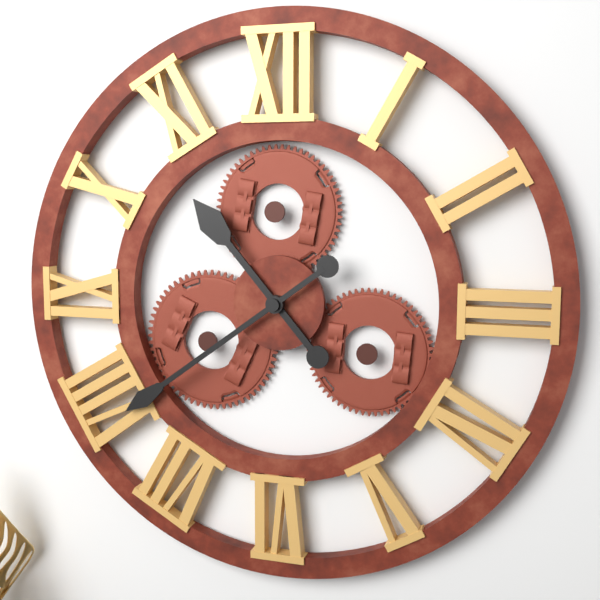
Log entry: 10,39
